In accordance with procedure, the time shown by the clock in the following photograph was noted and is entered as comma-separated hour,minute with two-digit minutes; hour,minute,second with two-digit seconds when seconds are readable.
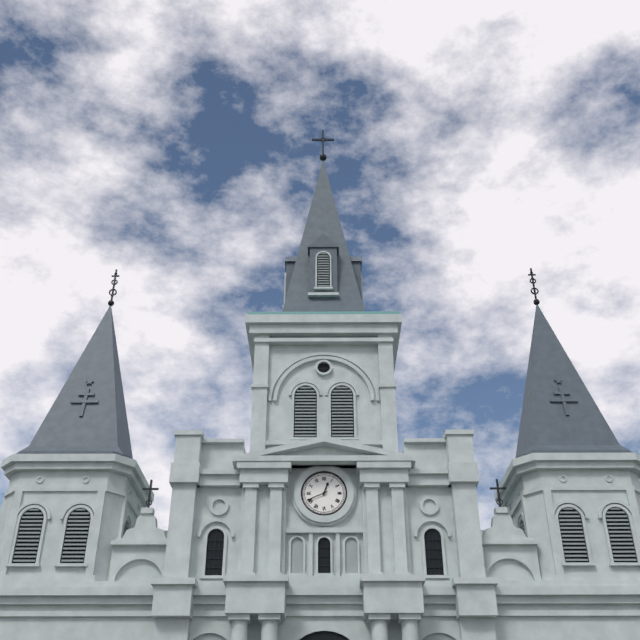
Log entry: 12,41
